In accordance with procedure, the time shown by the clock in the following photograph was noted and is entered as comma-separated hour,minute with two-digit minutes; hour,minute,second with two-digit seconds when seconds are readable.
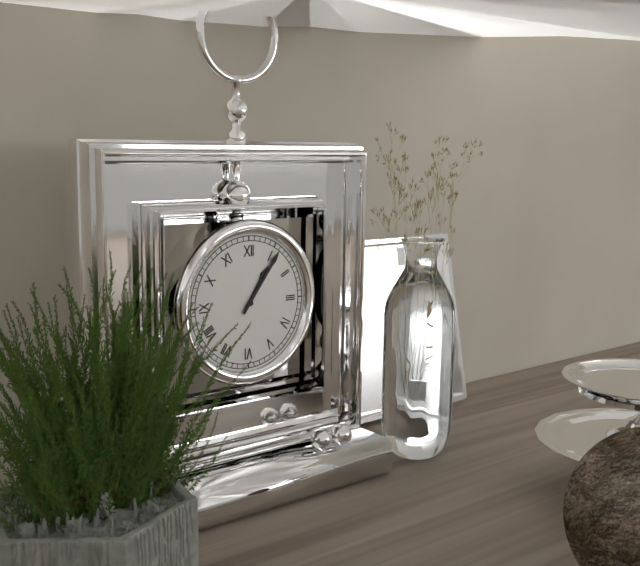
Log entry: 1,06
